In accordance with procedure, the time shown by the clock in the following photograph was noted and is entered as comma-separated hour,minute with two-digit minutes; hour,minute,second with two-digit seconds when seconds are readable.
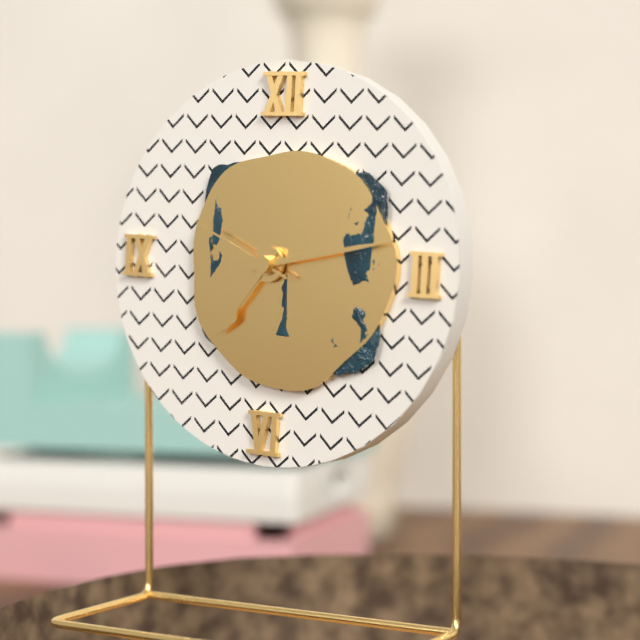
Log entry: 7,13,49
